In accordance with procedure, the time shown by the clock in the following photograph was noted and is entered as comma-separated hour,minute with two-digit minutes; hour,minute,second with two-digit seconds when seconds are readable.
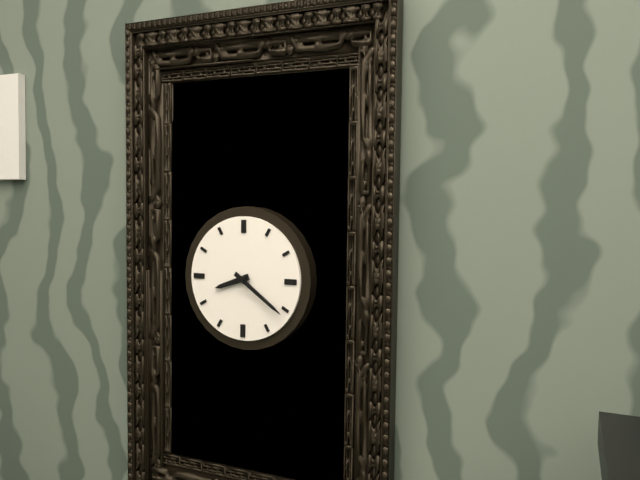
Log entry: 8,21
